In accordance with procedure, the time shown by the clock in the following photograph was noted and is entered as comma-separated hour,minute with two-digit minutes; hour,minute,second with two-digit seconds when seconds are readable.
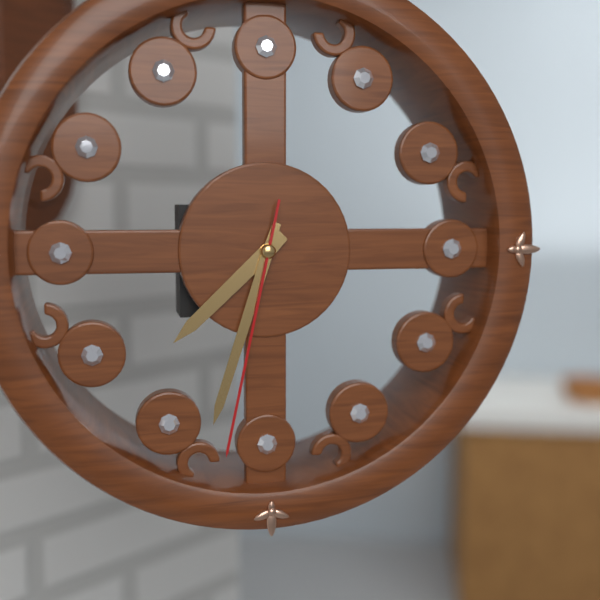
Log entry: 7,33,32
